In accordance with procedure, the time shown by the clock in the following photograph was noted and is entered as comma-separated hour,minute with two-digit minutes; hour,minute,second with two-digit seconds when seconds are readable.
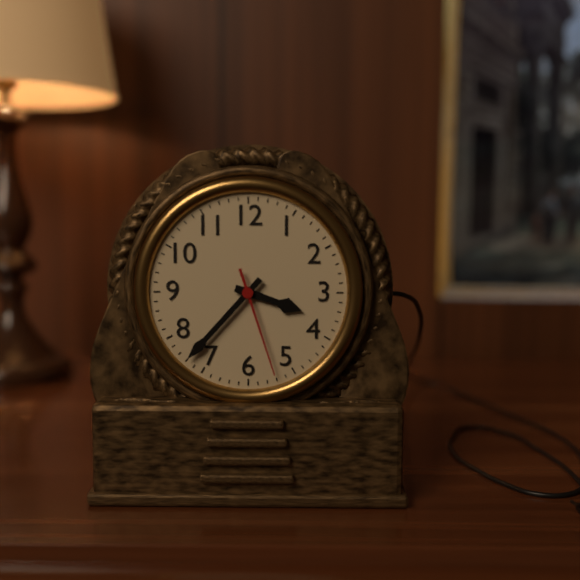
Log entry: 3,37,27
